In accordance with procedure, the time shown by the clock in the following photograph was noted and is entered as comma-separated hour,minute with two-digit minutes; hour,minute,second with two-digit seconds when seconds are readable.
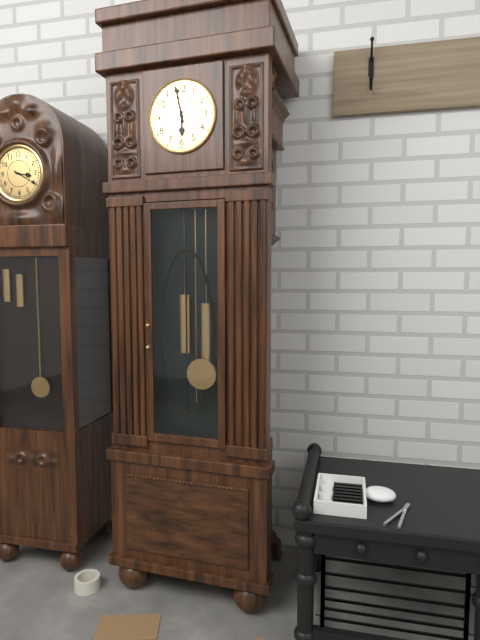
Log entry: 5,58
